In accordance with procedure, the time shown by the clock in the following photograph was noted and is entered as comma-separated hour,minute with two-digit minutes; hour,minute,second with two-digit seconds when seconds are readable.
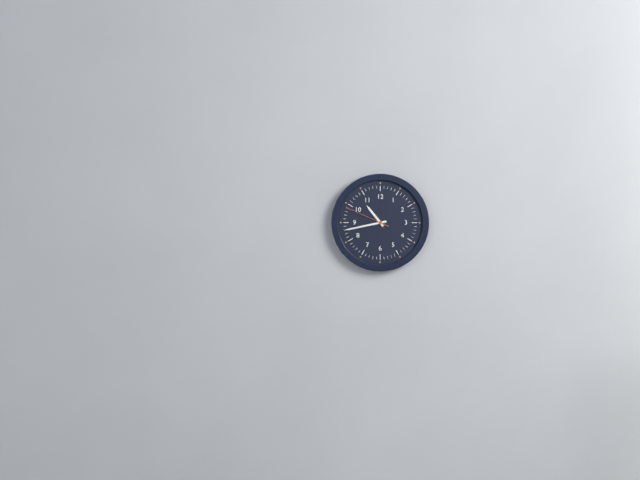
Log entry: 10,43
